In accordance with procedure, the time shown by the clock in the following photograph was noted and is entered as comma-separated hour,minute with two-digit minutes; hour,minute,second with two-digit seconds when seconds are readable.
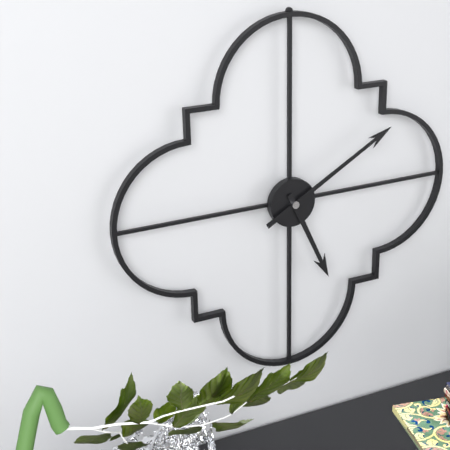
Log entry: 5,10
